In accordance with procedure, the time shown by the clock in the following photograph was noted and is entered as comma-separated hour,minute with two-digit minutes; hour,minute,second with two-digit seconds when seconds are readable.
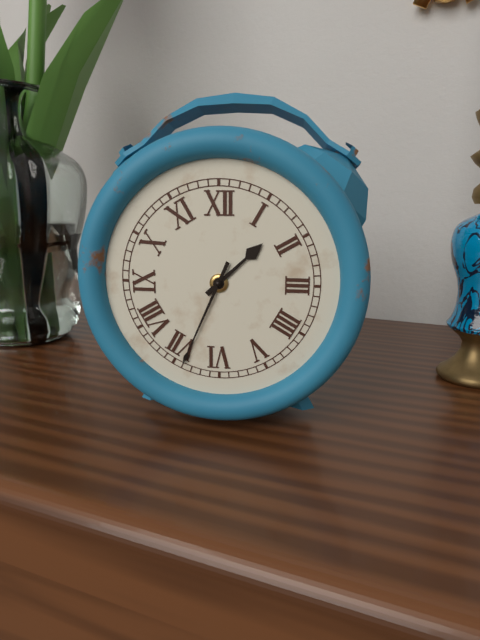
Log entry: 1,34
